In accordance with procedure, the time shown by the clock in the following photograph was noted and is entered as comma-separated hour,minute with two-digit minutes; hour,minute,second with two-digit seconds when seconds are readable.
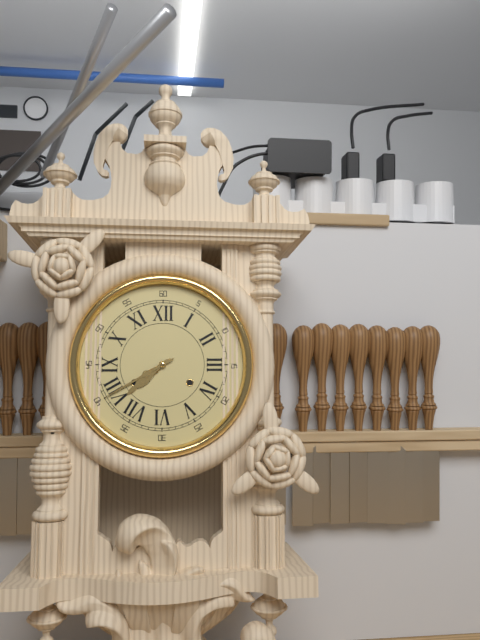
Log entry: 7,40
